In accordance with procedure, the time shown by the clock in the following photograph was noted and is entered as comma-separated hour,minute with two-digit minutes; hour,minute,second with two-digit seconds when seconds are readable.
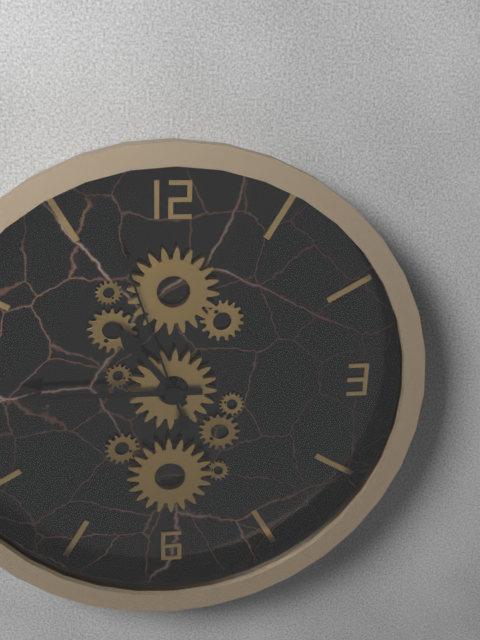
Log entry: 10,45,57
